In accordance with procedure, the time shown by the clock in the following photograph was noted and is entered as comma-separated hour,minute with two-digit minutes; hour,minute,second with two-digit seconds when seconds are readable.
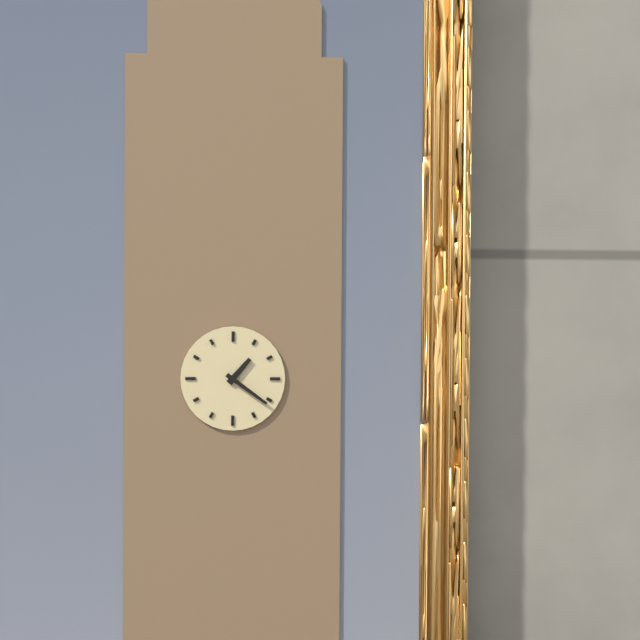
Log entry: 1,21
